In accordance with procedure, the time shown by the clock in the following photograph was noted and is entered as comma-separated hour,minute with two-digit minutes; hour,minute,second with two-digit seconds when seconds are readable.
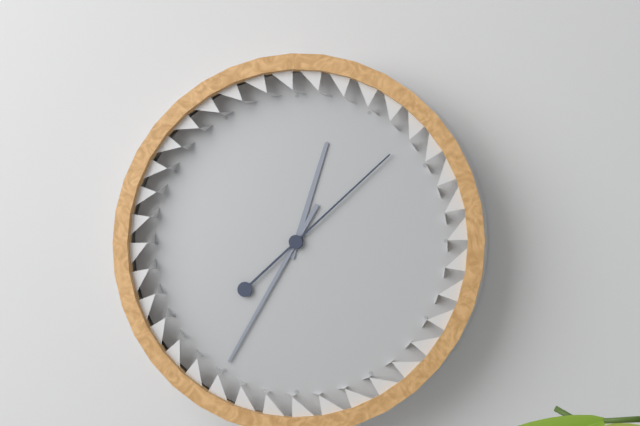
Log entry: 12,35,08
